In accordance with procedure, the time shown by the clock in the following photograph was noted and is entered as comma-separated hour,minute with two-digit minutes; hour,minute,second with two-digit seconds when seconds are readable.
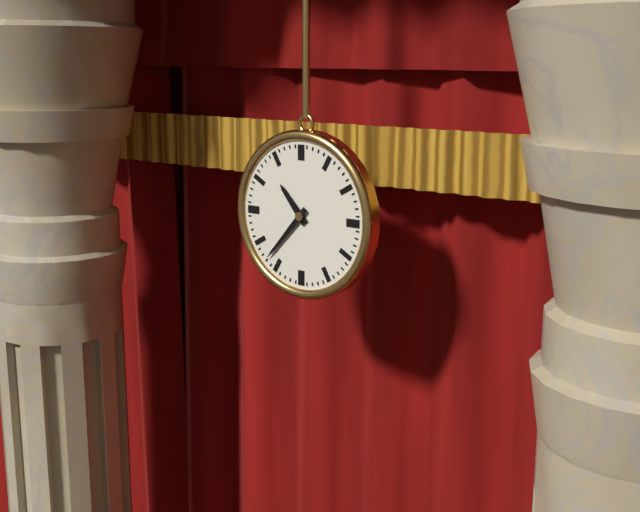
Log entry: 10,37
